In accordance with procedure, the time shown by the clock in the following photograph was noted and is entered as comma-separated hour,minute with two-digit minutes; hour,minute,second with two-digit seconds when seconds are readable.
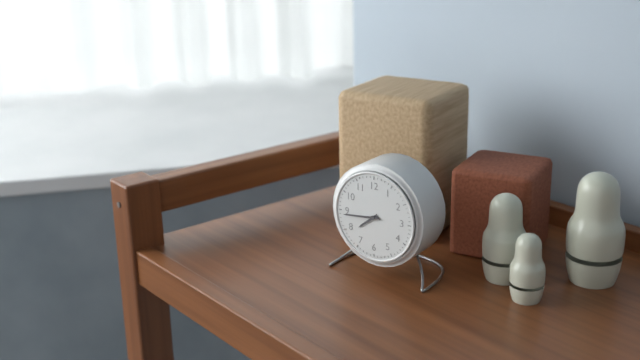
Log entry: 7,44
